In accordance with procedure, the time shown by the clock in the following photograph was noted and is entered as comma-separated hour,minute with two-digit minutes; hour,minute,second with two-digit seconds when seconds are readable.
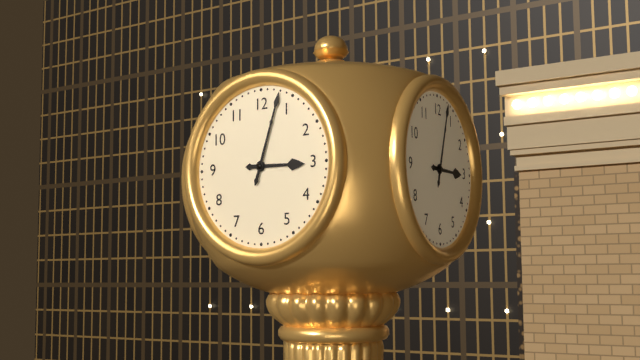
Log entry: 3,03
